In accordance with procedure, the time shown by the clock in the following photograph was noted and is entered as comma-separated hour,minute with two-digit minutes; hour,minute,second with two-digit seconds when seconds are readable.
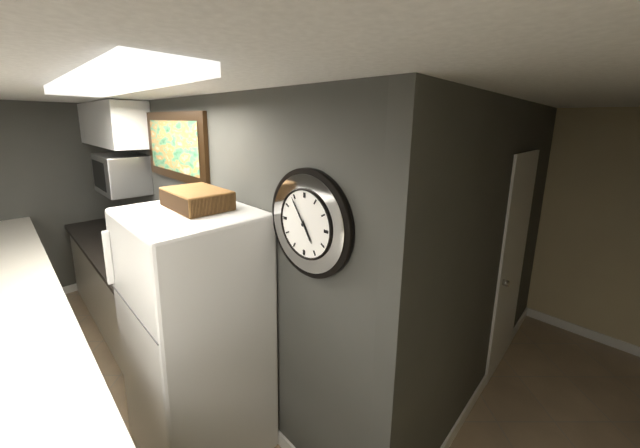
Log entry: 4,54
